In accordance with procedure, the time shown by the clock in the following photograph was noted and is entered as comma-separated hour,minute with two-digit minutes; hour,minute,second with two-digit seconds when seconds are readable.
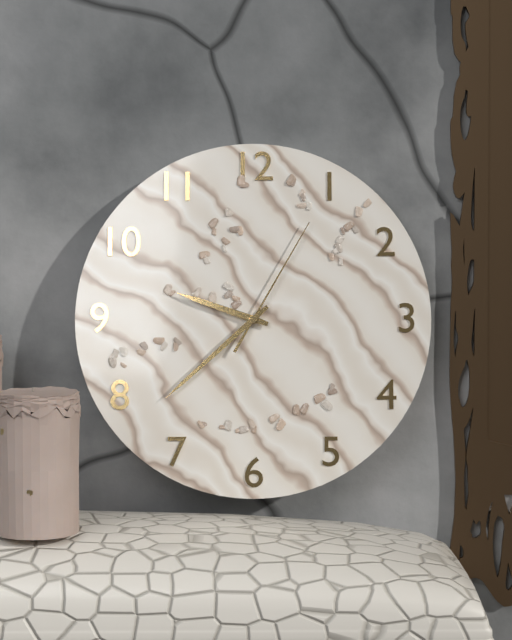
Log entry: 9,38,05
